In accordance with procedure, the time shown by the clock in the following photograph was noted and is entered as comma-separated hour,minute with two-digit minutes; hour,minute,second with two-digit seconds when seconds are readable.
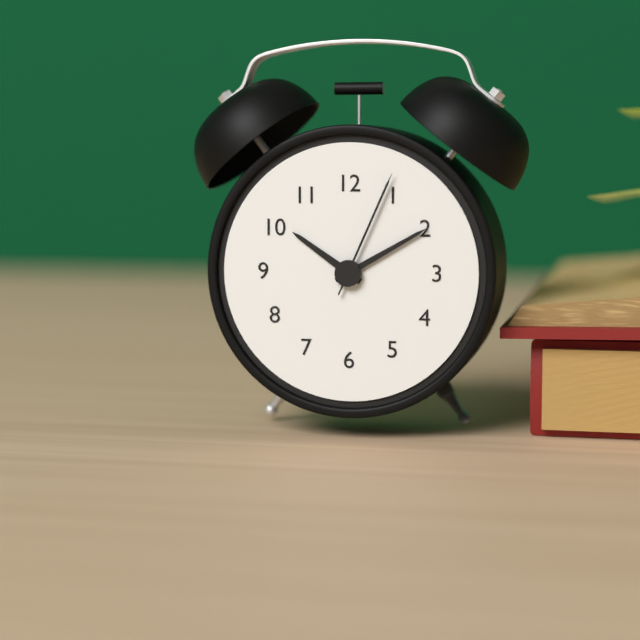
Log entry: 10,10,04
